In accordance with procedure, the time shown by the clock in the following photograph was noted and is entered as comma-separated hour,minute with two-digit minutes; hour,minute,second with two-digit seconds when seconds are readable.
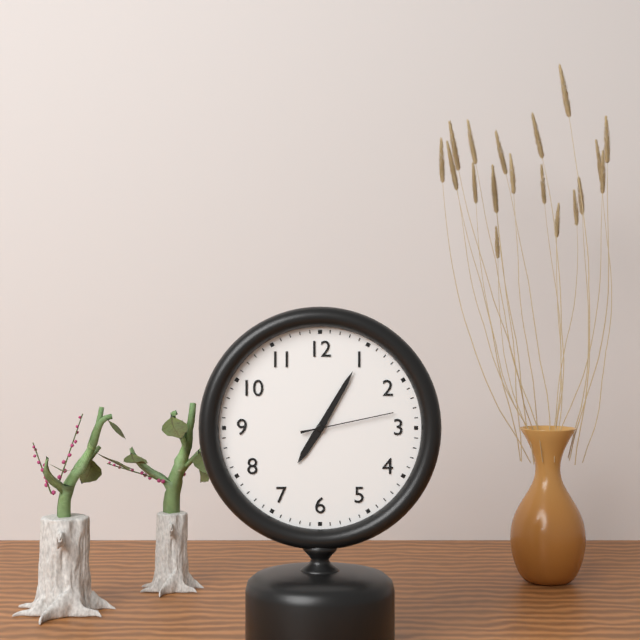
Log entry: 7,05,13
